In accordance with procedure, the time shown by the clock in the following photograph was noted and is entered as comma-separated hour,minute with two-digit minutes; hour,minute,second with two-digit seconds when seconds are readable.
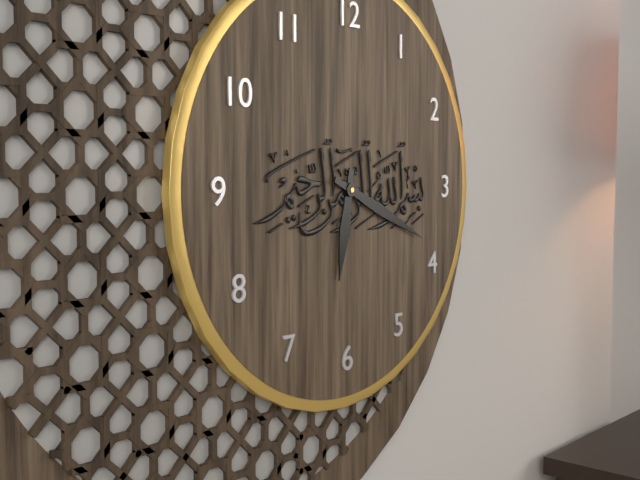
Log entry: 6,19
